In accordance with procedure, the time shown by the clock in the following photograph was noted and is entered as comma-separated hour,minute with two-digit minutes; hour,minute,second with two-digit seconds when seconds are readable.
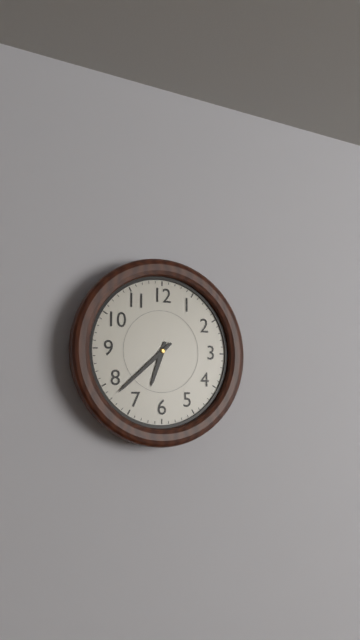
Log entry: 6,38
